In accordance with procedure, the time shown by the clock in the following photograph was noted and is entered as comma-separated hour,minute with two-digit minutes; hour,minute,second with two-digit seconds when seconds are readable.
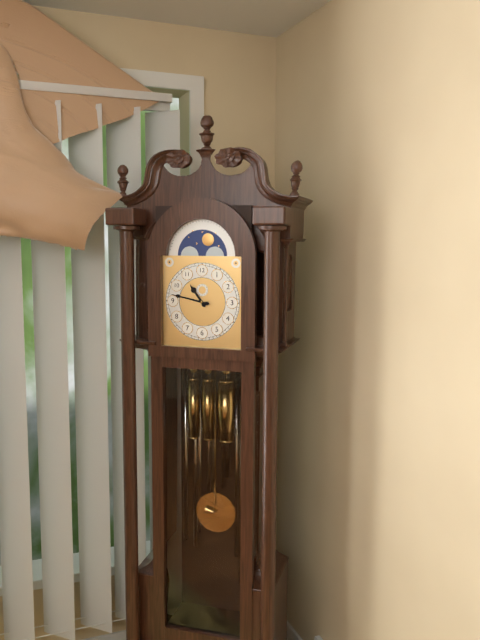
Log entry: 10,47
